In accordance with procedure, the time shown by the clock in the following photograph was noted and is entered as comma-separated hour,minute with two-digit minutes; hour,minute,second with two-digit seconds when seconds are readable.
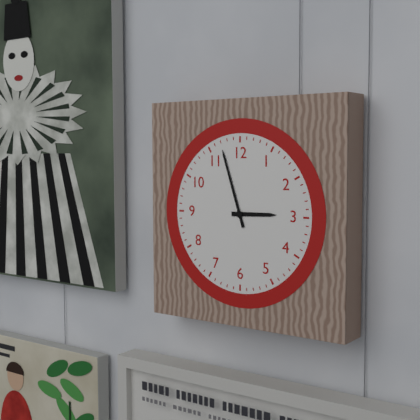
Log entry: 2,57
